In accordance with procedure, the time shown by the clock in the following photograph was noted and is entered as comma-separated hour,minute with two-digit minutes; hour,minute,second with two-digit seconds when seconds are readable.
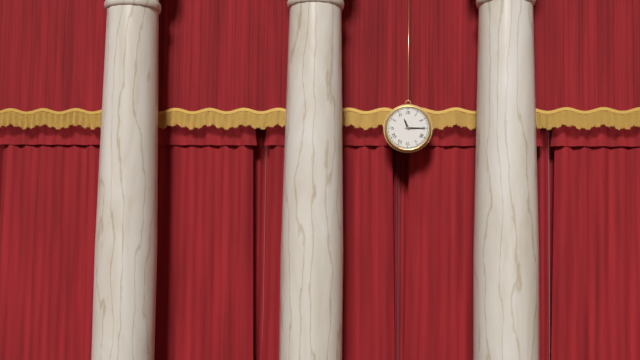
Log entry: 11,15
